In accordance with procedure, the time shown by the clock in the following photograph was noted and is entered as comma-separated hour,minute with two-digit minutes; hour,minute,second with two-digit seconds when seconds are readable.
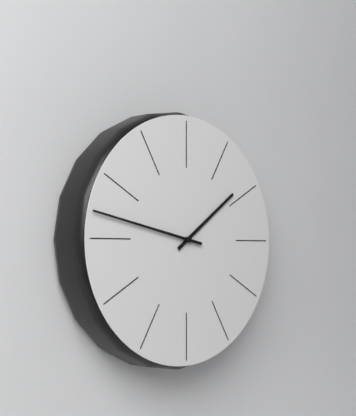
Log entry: 1,47
